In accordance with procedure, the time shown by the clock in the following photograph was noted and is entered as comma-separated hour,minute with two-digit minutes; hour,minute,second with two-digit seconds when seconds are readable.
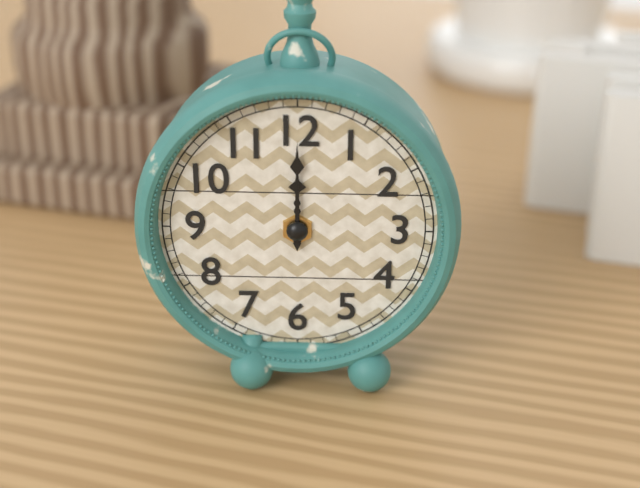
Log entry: 12,00
